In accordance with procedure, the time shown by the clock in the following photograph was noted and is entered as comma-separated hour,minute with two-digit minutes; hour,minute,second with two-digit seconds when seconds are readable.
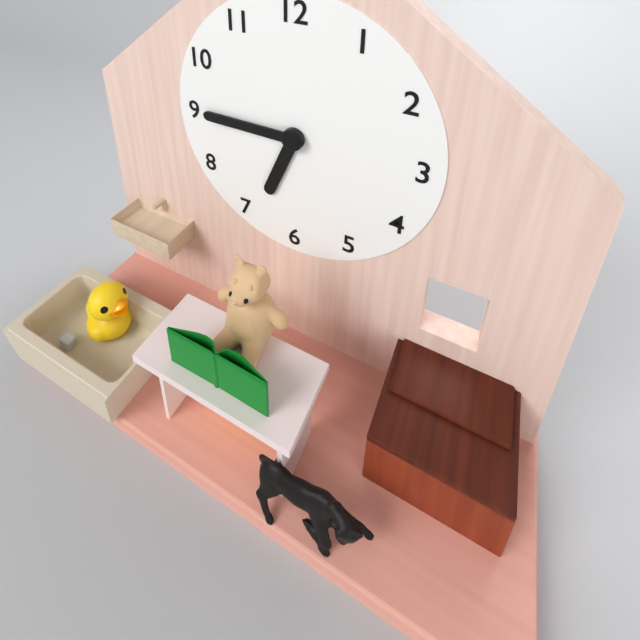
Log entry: 6,45
